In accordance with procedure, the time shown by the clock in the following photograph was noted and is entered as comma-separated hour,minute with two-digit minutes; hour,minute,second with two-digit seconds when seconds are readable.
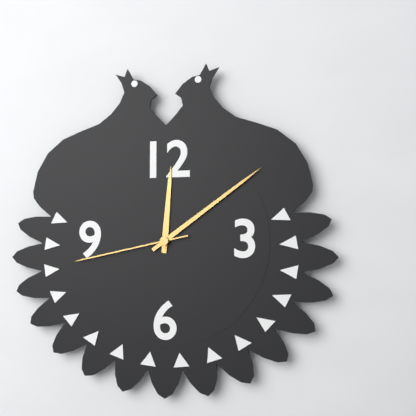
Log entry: 12,09,43
